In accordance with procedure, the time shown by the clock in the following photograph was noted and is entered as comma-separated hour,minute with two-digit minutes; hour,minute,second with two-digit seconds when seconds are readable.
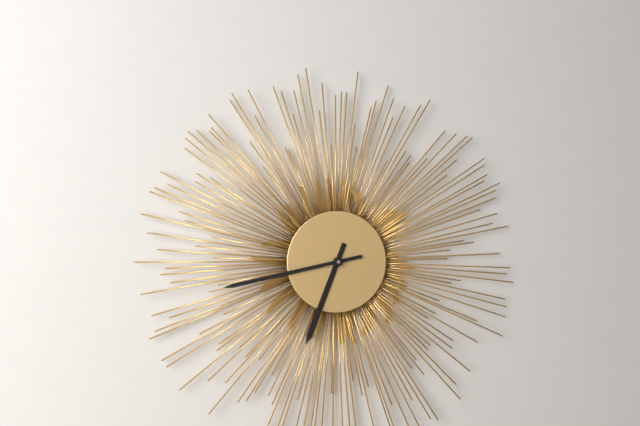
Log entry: 6,43
